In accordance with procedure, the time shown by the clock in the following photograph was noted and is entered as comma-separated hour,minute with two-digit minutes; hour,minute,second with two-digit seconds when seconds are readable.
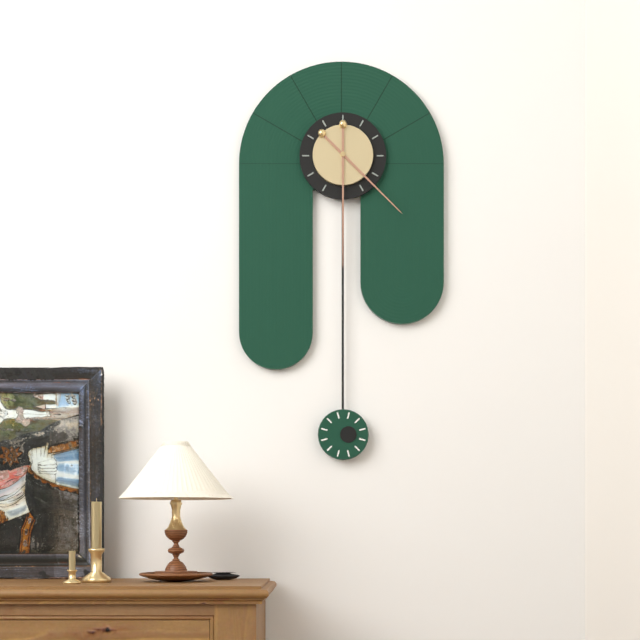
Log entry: 4,30
